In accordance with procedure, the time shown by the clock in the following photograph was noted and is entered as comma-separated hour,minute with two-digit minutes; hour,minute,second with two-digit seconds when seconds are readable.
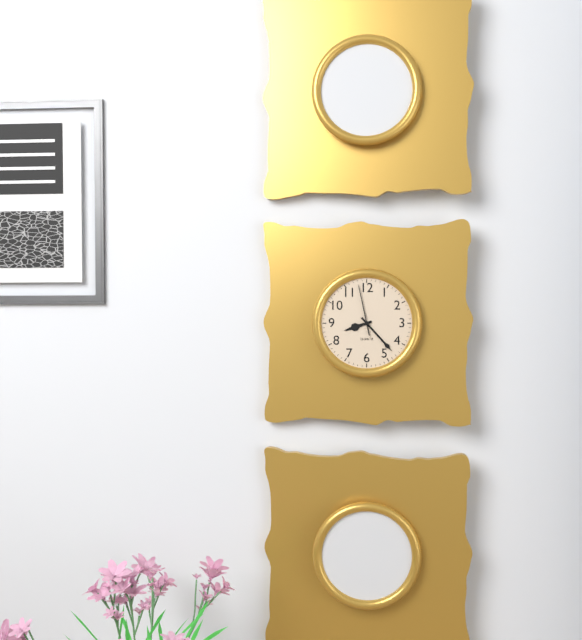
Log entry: 8,23,58
